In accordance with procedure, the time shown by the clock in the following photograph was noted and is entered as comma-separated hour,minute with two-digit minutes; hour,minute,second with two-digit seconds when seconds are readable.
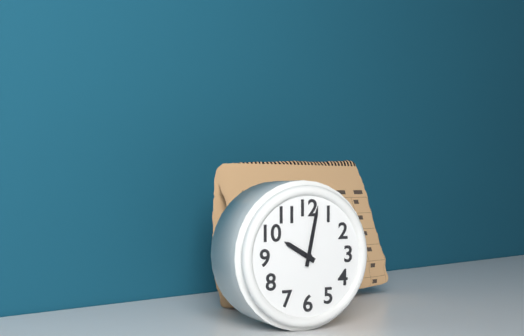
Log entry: 10,02
